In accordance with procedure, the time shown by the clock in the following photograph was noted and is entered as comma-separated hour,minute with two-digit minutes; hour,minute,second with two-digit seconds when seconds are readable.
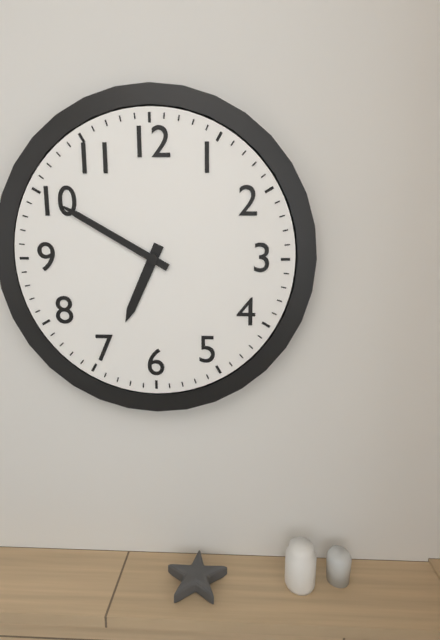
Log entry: 6,50
